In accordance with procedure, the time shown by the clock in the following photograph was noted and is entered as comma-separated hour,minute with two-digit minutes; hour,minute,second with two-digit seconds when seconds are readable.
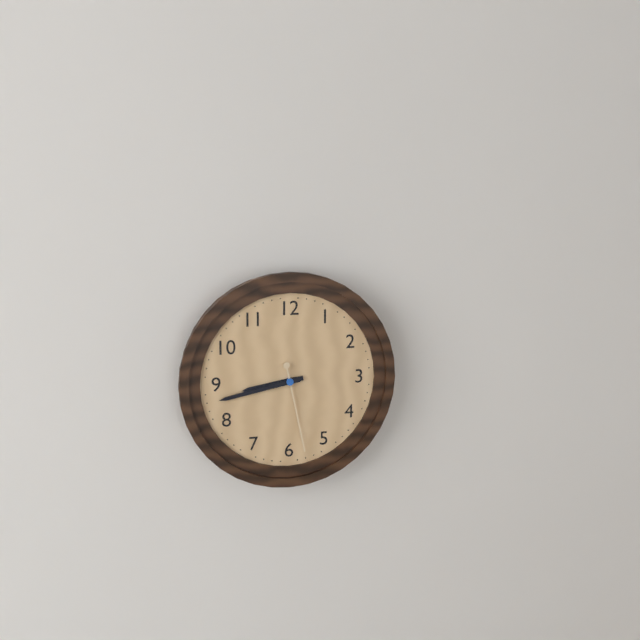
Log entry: 8,43,28
